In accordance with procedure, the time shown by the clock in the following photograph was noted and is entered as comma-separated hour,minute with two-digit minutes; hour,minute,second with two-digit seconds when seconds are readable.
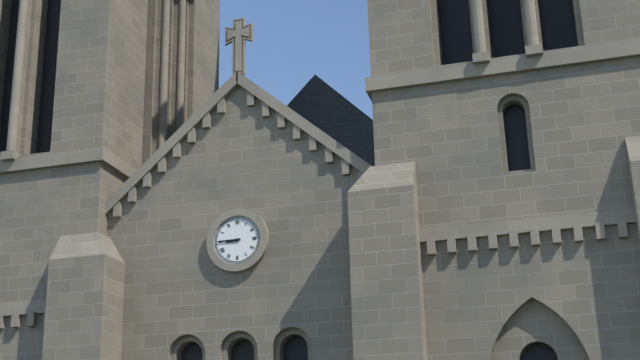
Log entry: 8,45
